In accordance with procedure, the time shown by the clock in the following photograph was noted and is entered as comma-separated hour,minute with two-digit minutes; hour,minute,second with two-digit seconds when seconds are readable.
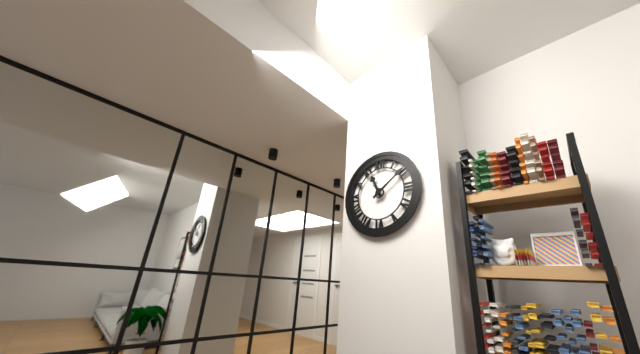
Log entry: 11,09
